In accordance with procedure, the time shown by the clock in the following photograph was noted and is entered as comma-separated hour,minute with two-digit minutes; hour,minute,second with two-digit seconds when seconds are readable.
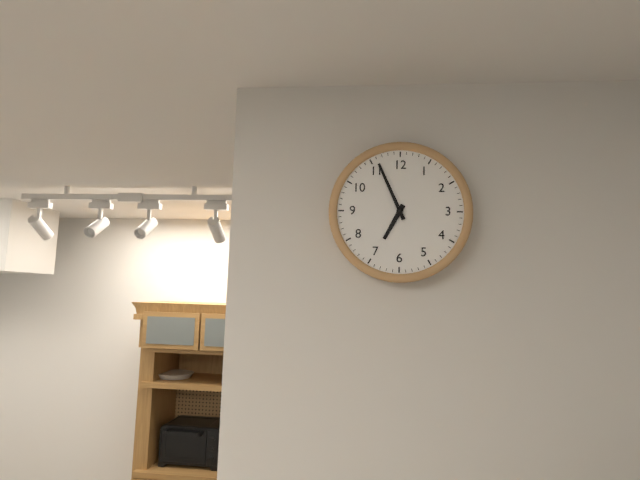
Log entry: 6,56
